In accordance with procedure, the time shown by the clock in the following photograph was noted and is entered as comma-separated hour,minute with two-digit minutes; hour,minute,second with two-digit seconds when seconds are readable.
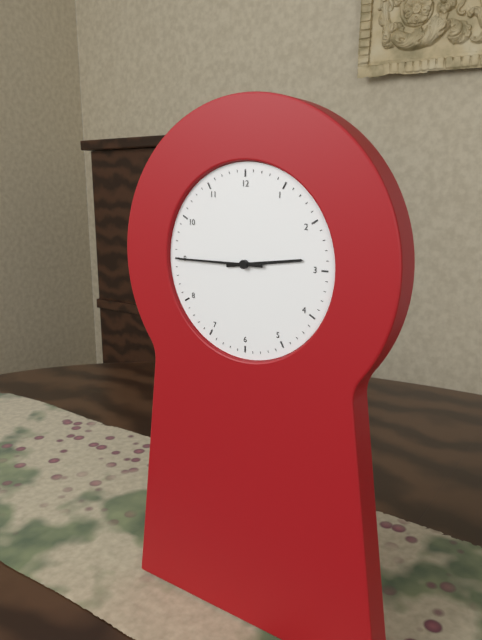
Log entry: 2,45
